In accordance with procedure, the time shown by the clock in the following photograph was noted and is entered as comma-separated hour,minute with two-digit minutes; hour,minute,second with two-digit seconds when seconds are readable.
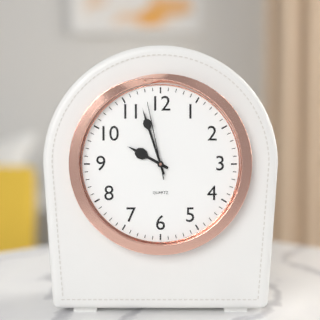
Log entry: 9,57,58
